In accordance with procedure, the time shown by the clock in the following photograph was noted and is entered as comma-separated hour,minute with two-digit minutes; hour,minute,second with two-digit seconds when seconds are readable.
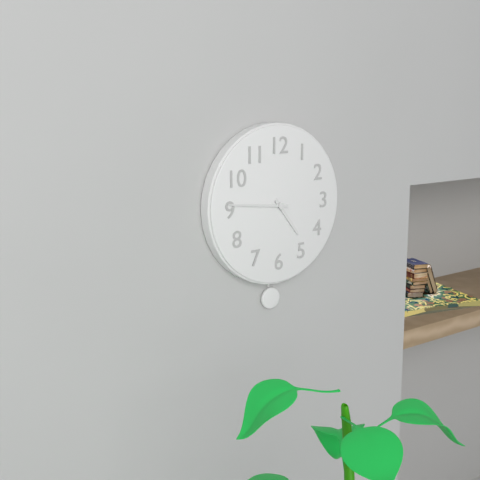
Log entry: 4,46
